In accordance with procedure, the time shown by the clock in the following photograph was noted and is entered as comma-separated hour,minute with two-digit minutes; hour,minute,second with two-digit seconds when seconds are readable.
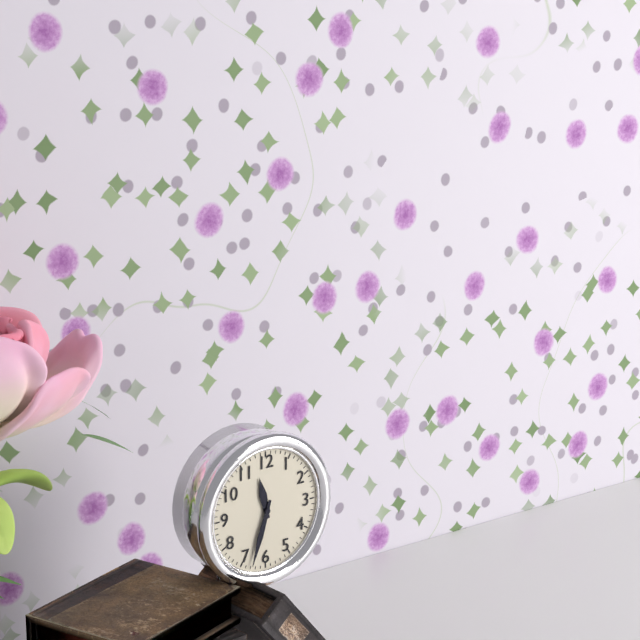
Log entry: 11,33
